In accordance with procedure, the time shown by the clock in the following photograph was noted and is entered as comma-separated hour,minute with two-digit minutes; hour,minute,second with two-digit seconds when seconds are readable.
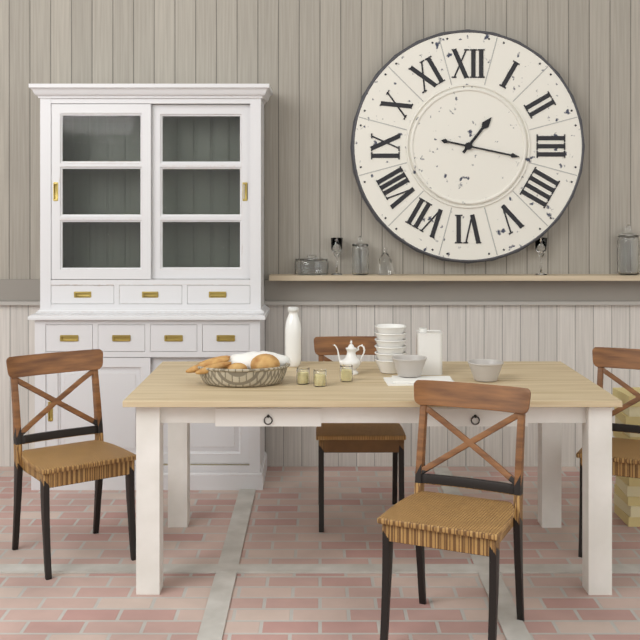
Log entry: 1,17
